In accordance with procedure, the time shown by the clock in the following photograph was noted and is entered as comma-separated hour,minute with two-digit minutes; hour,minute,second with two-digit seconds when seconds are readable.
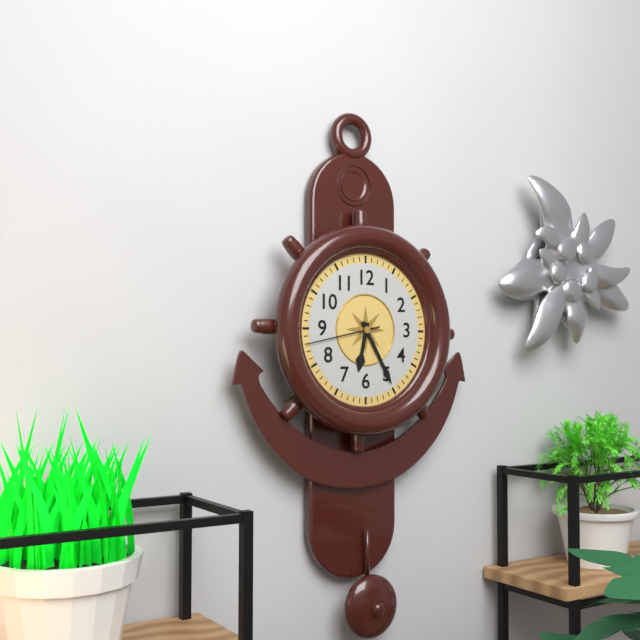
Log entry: 6,25,43
